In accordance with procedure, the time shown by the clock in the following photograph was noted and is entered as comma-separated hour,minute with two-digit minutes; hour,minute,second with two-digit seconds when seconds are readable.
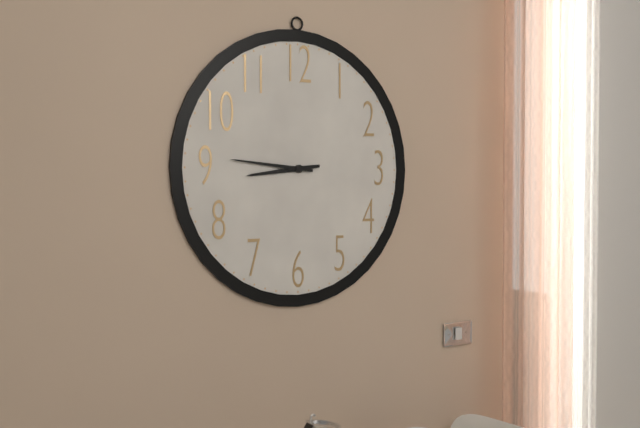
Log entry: 8,46
